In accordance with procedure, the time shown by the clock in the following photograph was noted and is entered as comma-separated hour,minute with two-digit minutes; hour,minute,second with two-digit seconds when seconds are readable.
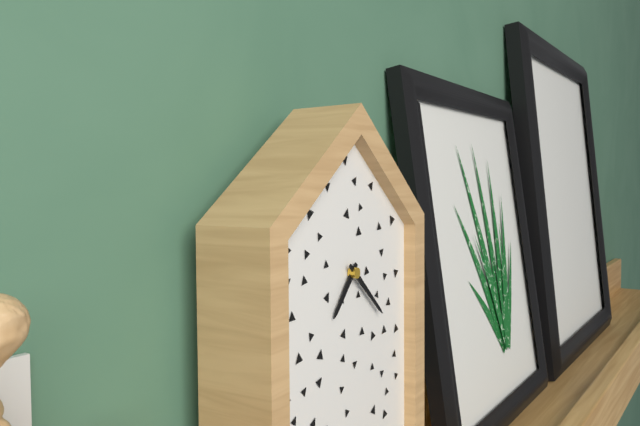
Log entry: 7,22
